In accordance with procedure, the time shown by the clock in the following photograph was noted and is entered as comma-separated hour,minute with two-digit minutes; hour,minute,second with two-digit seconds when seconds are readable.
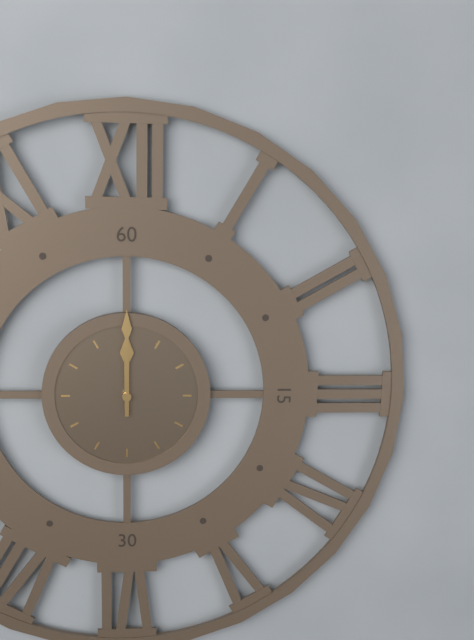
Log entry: 12,00
